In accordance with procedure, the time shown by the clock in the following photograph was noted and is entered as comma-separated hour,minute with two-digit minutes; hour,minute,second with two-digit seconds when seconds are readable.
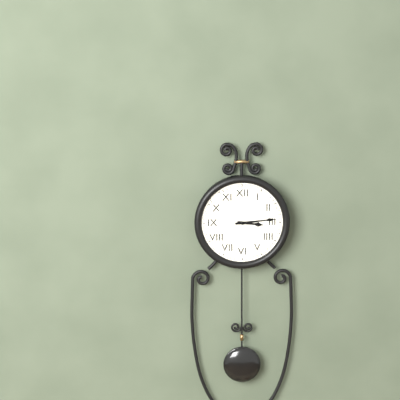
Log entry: 3,14
